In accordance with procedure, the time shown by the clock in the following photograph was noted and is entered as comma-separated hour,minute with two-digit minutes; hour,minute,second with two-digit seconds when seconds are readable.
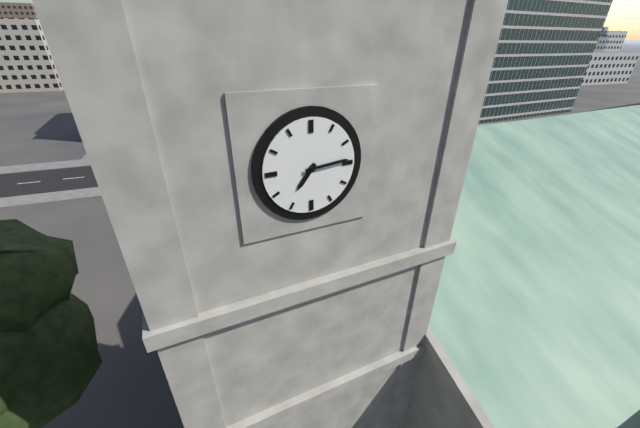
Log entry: 7,14
